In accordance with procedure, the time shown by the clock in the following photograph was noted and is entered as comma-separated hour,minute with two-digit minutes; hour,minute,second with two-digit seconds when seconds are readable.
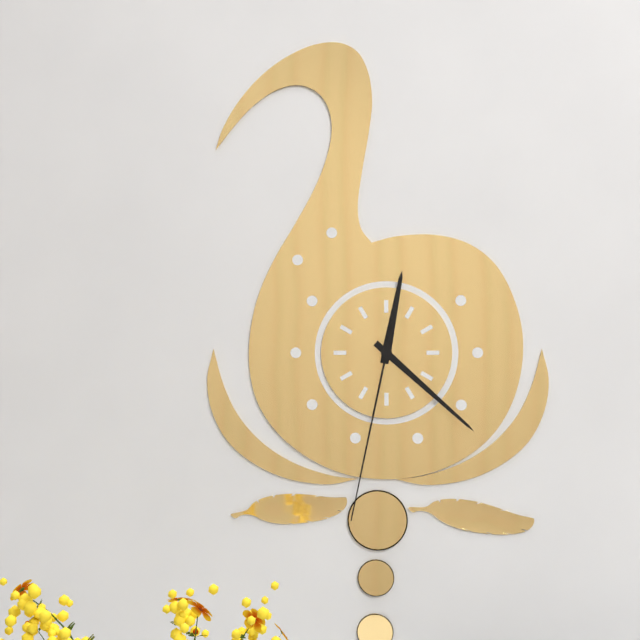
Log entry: 12,22,32
